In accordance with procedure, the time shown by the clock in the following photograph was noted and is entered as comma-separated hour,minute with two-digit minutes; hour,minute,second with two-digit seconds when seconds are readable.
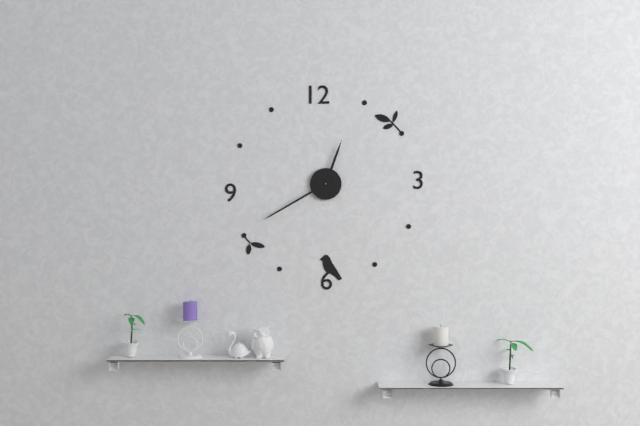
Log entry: 12,40
